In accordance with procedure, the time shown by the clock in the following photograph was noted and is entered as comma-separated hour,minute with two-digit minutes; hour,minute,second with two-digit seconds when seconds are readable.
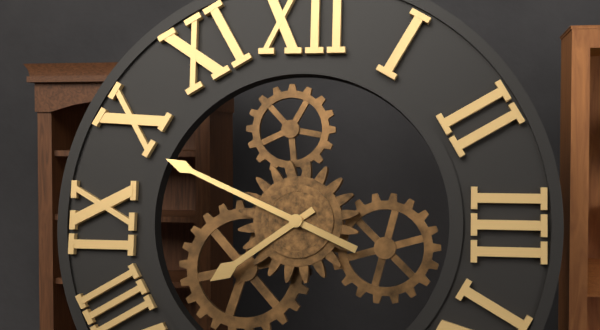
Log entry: 7,49
